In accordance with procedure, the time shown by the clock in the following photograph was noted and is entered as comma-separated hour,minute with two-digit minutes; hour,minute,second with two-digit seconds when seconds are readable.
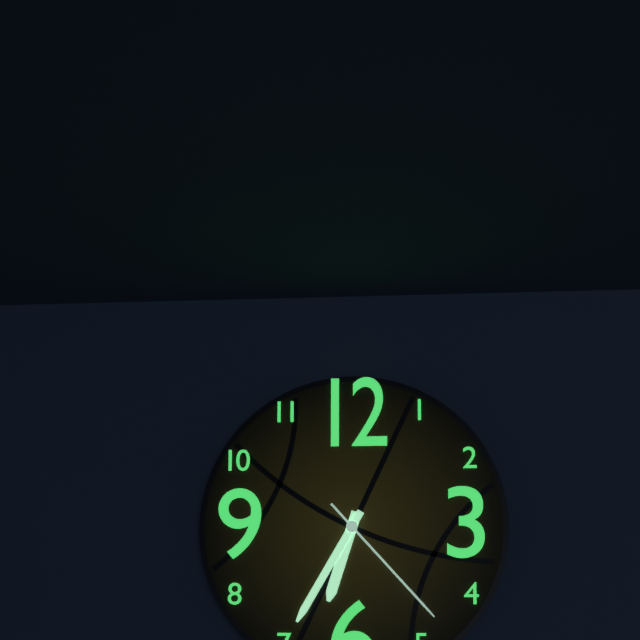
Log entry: 6,35,23
